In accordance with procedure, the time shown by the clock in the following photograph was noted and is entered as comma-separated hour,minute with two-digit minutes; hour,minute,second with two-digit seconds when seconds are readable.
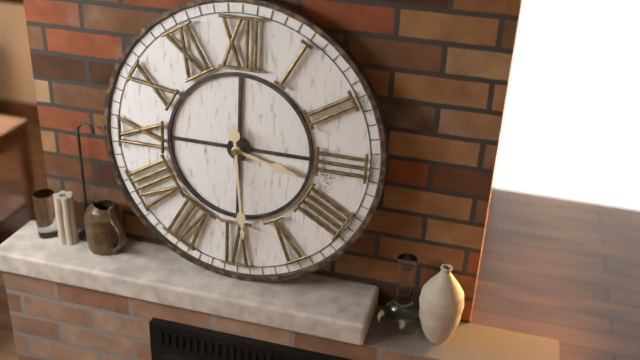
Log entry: 3,29
